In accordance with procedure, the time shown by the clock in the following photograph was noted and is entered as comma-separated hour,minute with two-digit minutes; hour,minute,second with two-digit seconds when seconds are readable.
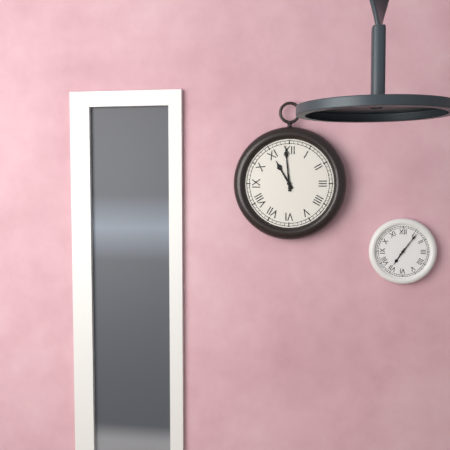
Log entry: 10,59
